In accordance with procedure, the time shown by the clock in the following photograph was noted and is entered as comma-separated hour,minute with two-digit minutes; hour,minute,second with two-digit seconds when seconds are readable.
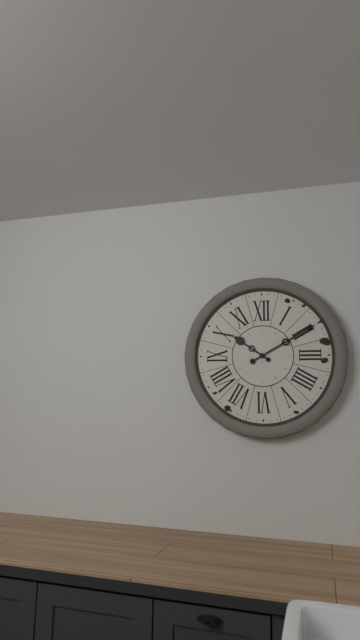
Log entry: 10,10
